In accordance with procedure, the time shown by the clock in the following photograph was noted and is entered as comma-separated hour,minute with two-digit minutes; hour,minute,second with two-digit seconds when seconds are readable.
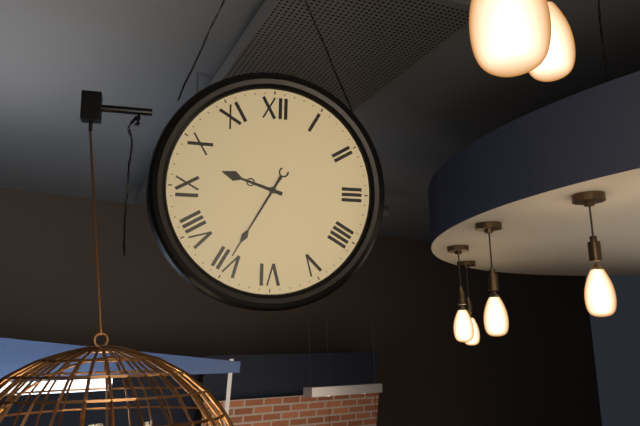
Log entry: 9,35
